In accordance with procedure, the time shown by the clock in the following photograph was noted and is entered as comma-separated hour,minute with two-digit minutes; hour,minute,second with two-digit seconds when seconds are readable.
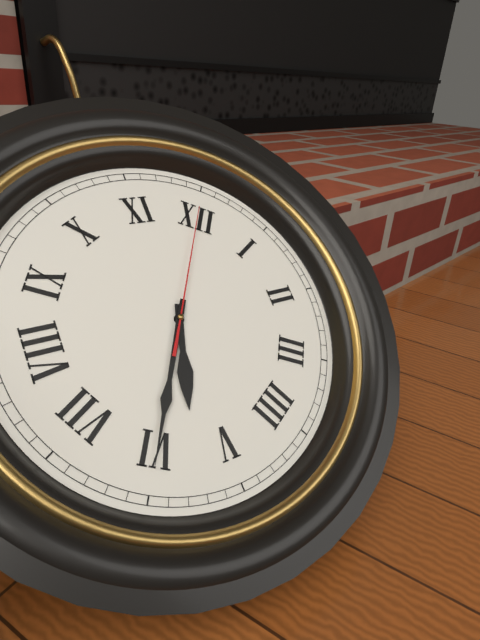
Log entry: 5,30,00
